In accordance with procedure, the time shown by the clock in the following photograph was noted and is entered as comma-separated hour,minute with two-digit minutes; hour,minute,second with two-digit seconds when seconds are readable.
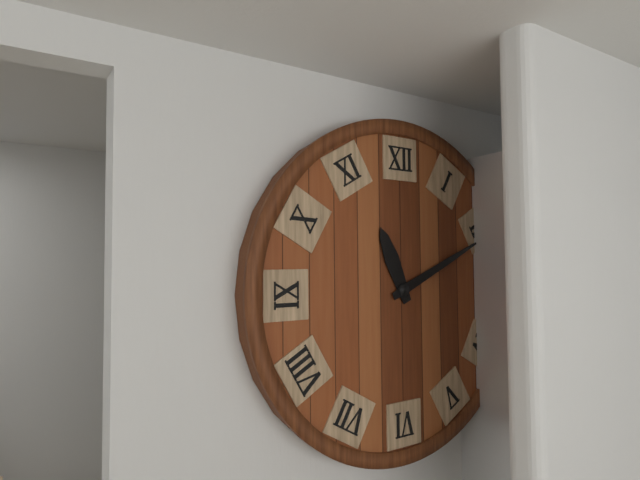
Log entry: 11,11
